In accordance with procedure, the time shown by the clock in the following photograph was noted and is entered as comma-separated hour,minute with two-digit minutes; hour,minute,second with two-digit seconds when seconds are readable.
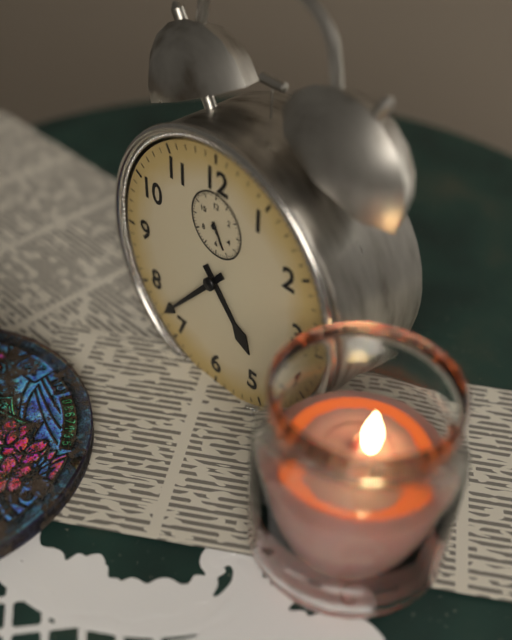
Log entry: 4,37
